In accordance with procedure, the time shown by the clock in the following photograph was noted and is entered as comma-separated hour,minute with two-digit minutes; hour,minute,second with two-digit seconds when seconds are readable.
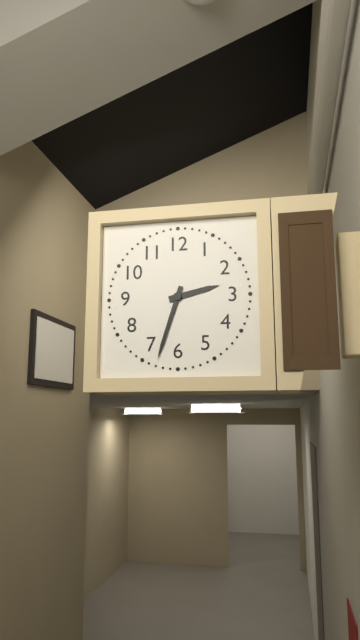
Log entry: 2,33
